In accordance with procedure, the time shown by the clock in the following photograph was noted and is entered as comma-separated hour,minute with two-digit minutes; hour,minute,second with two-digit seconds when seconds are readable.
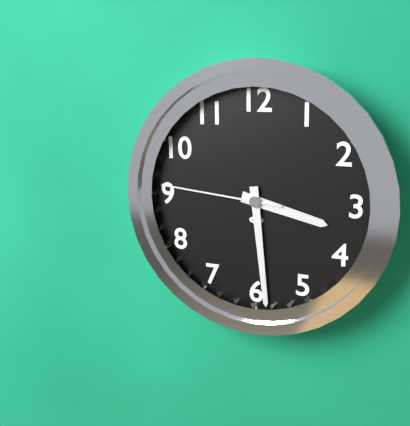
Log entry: 3,29,46
